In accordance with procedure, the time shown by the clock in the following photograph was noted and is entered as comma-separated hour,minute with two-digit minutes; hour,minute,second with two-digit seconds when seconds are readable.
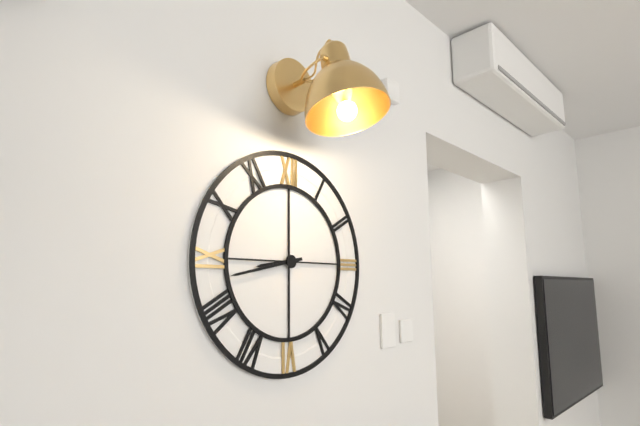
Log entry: 8,43
